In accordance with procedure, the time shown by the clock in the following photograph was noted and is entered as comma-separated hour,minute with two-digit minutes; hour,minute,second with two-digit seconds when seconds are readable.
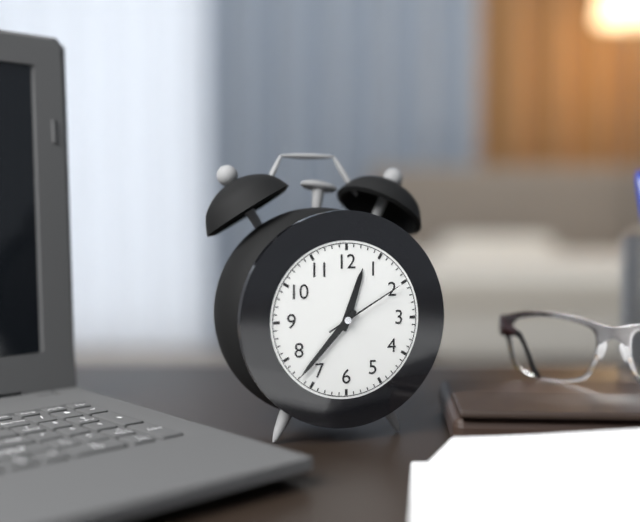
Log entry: 12,37,10
